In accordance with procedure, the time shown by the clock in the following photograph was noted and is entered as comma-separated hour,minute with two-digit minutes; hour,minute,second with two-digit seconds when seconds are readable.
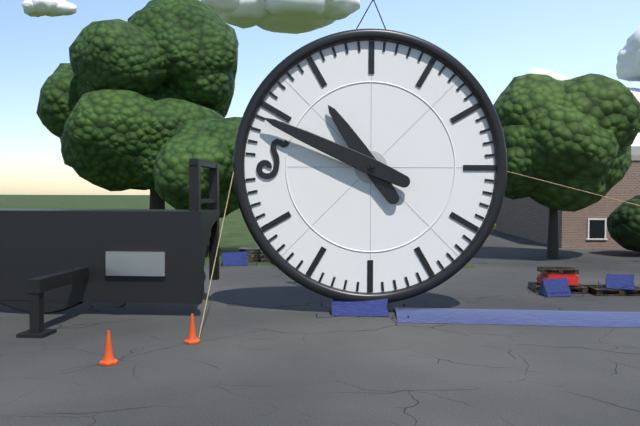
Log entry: 10,49
